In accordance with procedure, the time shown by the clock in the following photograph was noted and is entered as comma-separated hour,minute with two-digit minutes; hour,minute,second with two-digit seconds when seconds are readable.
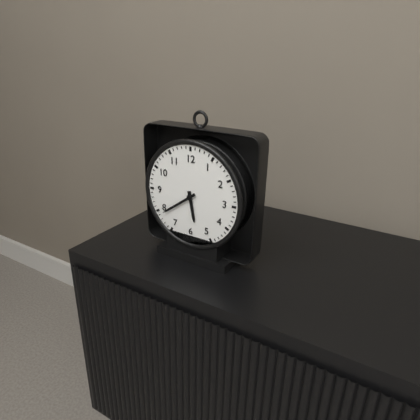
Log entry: 5,39
